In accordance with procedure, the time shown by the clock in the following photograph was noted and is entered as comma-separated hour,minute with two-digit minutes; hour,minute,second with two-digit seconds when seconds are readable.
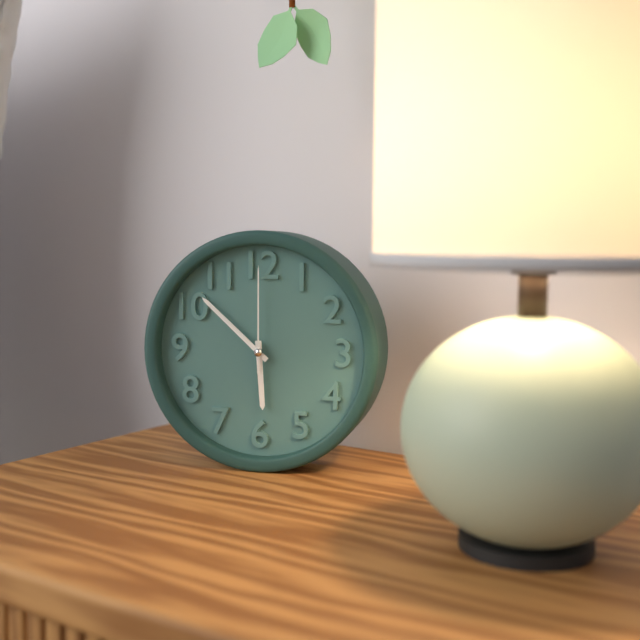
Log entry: 5,52,00
